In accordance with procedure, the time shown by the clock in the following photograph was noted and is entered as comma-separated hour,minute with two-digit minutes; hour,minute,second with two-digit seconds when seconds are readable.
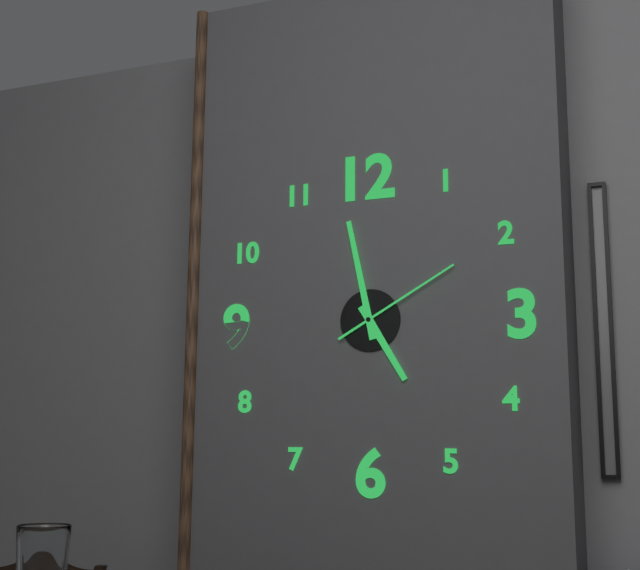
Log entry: 4,58,10
